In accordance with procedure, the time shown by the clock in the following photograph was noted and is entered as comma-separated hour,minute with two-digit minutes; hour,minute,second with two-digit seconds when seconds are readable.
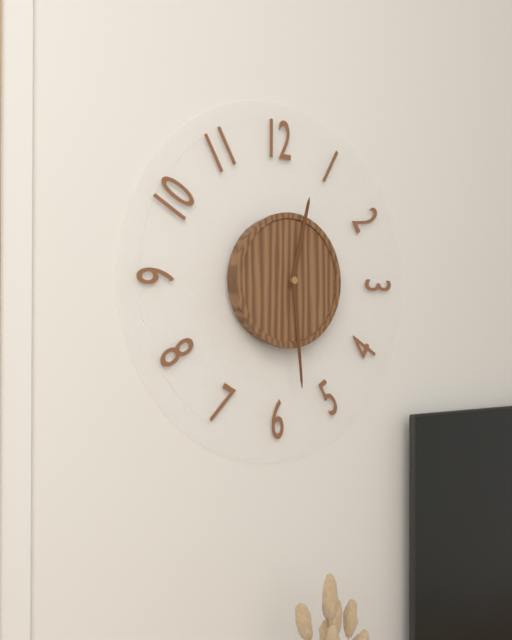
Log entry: 12,29
